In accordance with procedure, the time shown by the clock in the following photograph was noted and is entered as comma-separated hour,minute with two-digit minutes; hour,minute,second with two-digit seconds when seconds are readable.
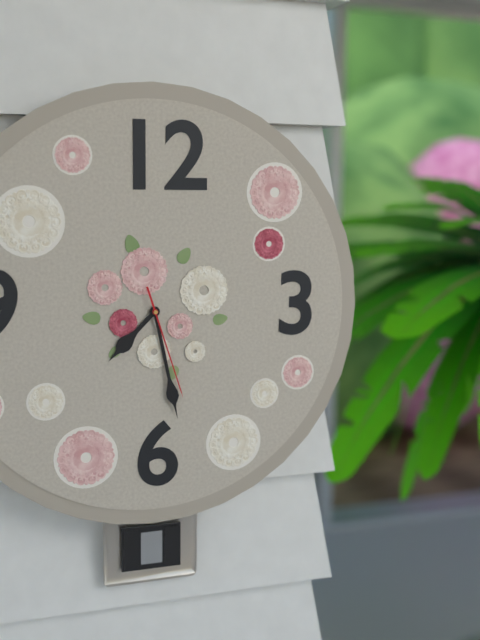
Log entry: 7,28,27
